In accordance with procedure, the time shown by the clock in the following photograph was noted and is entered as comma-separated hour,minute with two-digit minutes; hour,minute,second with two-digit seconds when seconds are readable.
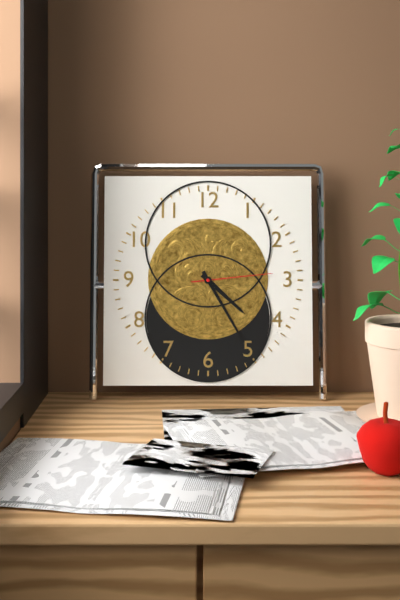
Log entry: 4,25,14
